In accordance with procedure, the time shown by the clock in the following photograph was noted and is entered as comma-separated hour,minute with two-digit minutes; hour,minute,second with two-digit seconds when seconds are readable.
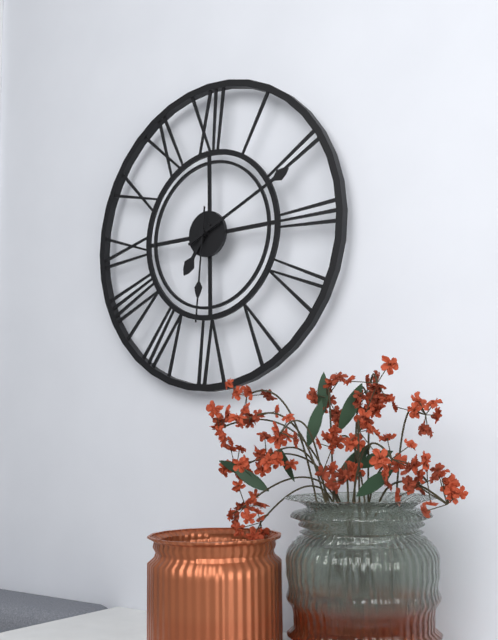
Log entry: 7,11,31
